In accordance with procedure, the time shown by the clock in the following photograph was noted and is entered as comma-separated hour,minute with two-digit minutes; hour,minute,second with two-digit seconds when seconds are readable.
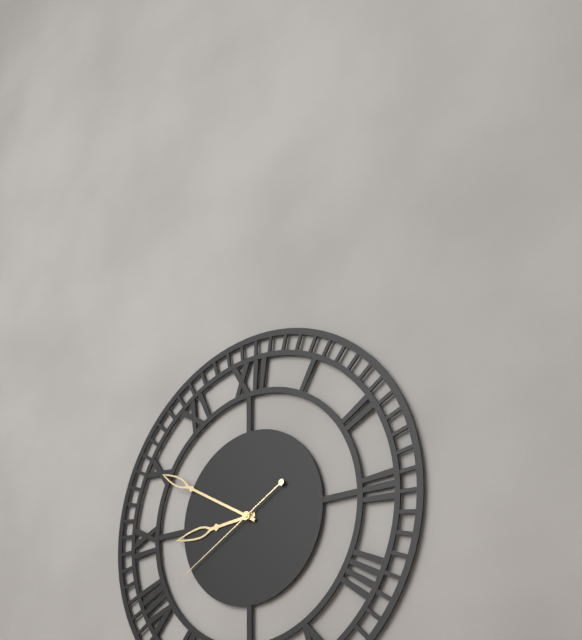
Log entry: 8,50,40
